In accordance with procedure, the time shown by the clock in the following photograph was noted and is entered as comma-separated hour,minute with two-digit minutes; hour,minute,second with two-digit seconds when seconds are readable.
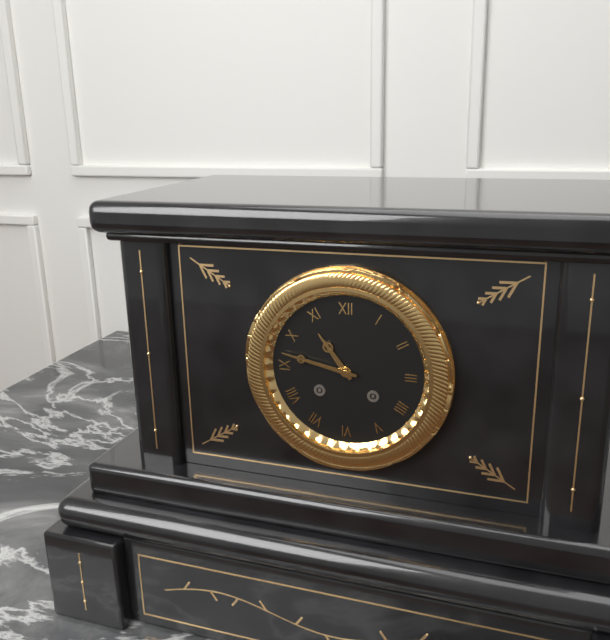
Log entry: 10,47
